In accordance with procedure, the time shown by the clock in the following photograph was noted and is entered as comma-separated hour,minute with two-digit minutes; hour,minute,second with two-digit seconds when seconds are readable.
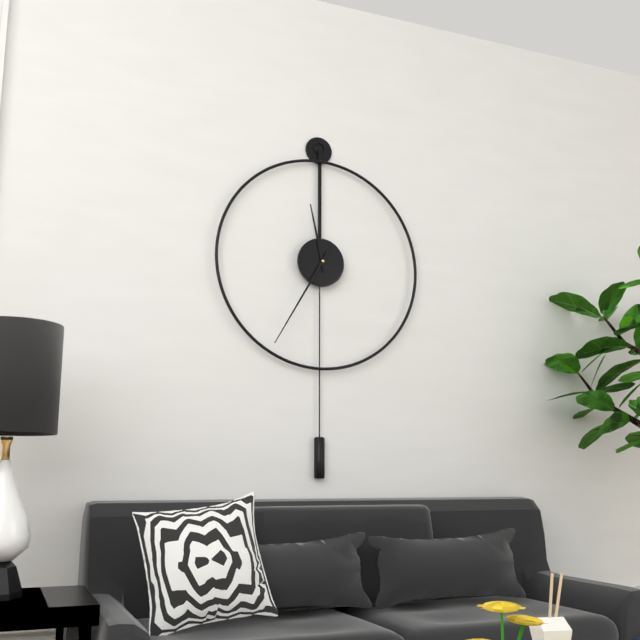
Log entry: 11,35
